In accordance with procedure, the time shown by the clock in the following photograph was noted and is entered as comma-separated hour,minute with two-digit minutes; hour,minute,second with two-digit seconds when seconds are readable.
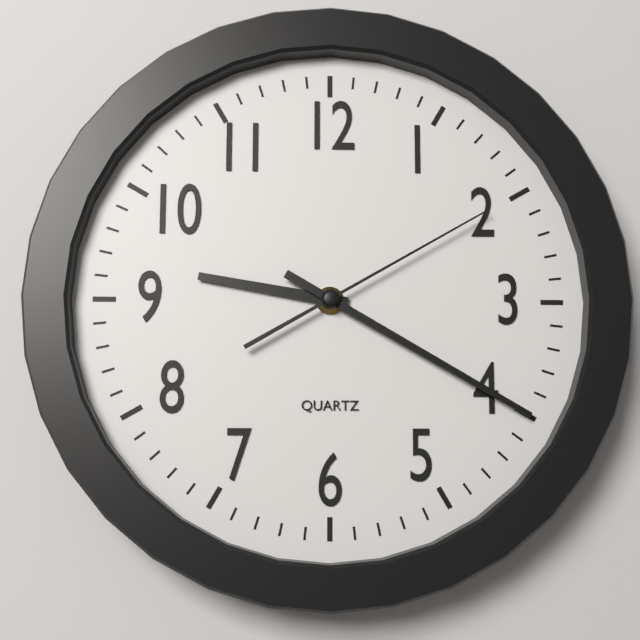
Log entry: 9,20,10
